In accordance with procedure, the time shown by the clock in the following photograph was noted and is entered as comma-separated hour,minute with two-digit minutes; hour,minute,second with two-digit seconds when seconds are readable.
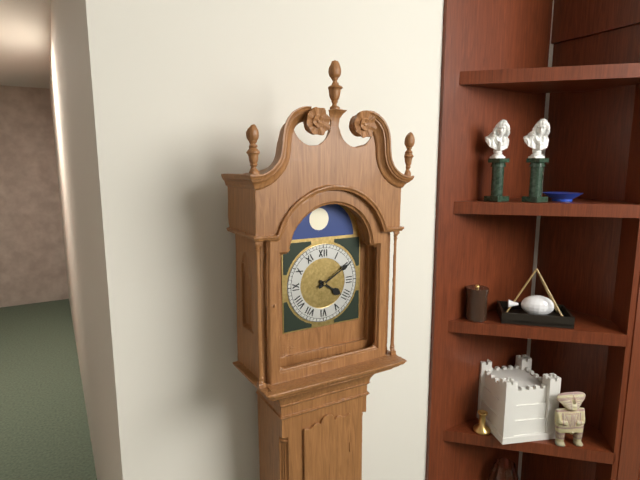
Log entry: 4,10
